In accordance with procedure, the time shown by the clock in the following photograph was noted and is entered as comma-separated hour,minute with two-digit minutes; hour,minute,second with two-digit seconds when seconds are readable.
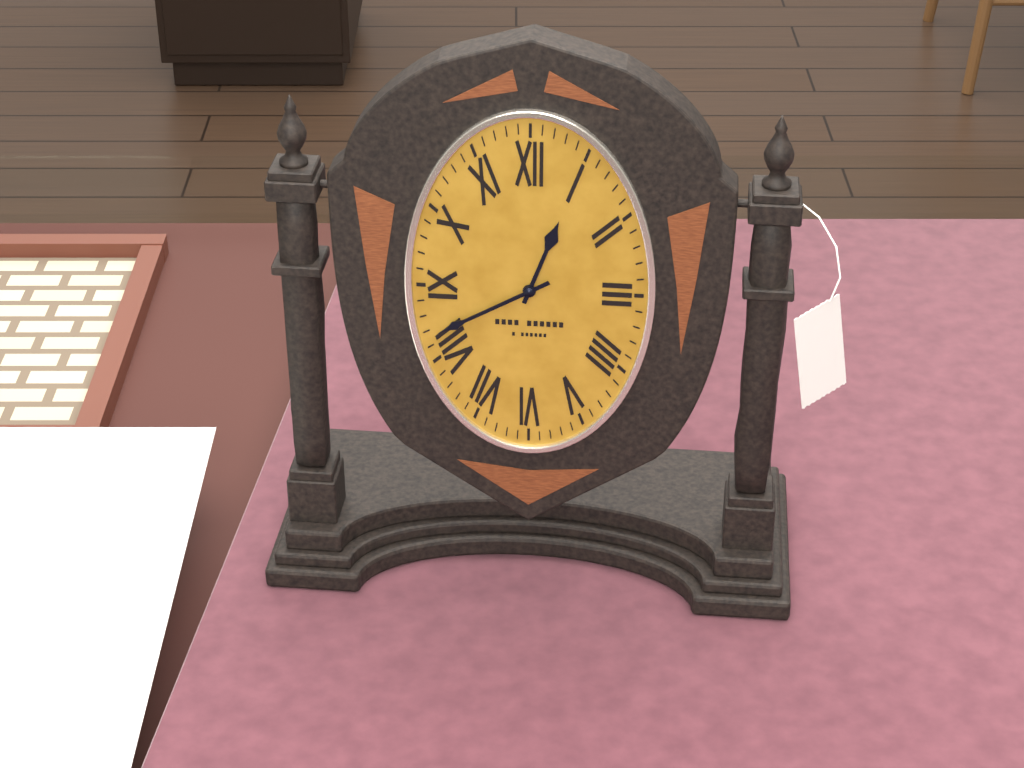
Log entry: 12,40
